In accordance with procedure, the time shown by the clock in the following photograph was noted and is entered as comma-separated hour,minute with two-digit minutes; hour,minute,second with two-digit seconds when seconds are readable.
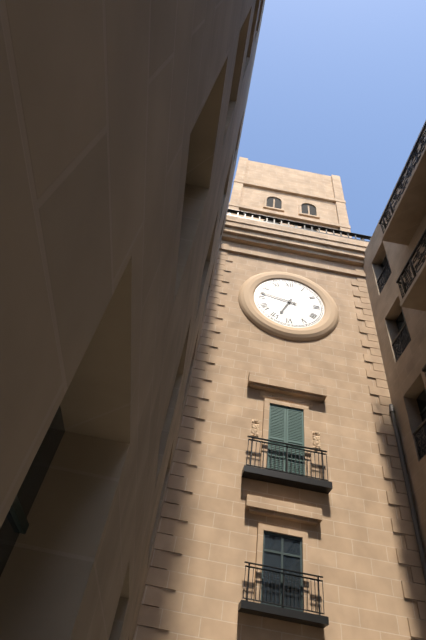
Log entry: 6,47
